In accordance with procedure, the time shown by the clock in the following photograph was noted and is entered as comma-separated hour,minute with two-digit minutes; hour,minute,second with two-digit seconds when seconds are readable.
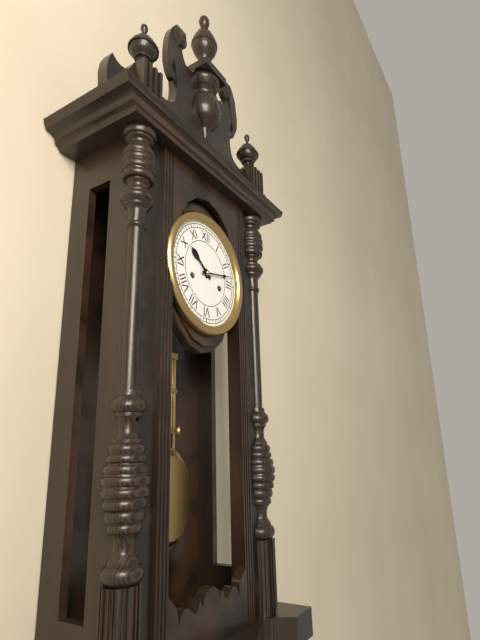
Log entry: 10,13
